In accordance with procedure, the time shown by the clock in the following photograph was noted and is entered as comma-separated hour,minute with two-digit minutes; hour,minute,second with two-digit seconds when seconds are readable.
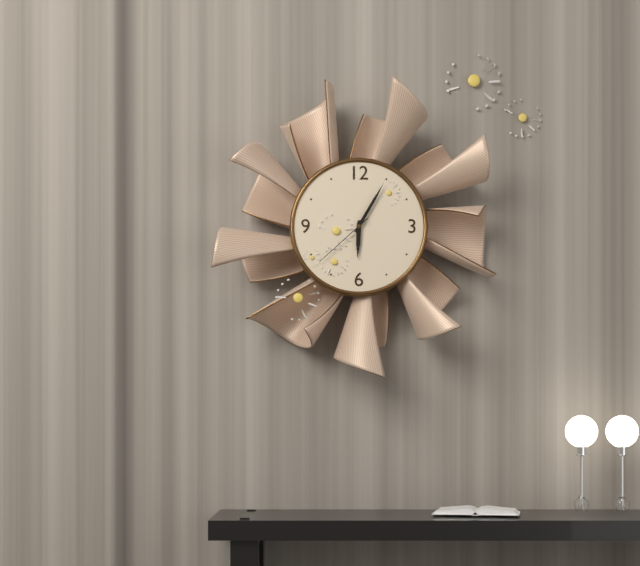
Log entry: 6,05,38
